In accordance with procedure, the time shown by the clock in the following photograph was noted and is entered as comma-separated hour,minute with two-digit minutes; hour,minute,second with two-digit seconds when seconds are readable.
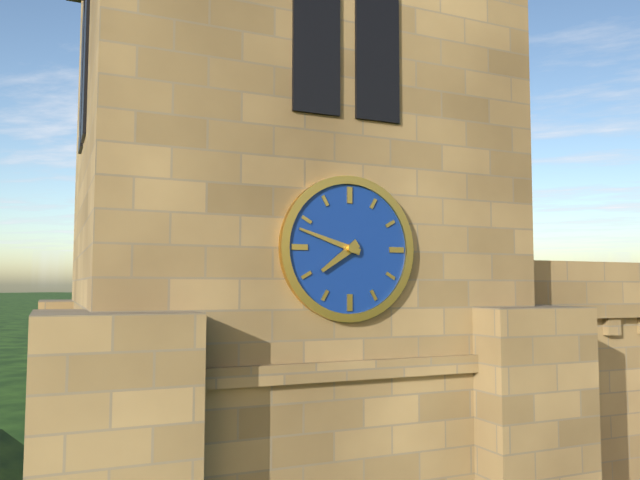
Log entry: 7,48
